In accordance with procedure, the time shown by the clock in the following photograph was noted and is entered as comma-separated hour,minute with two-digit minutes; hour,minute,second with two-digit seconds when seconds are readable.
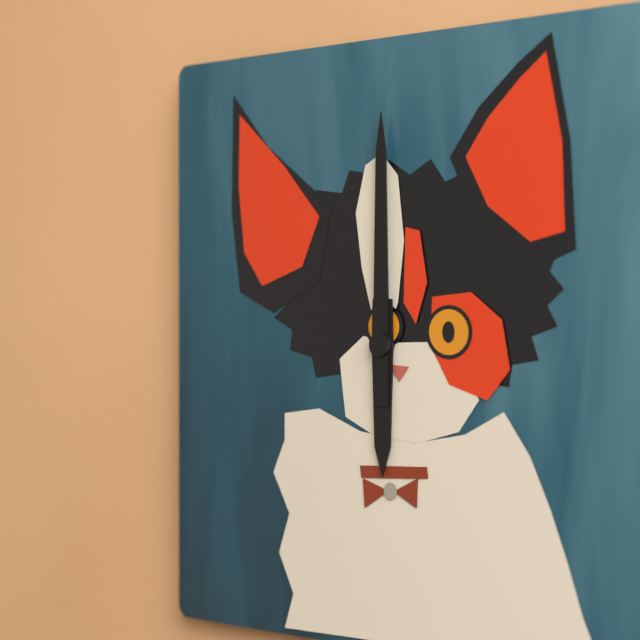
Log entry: 6,00
